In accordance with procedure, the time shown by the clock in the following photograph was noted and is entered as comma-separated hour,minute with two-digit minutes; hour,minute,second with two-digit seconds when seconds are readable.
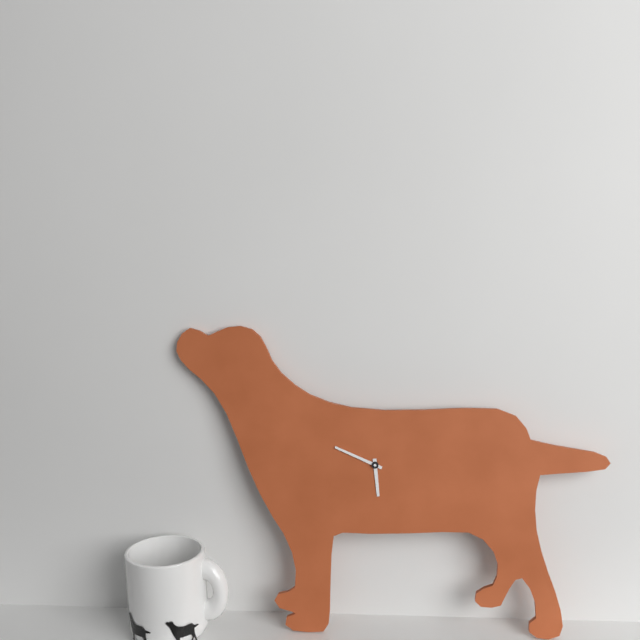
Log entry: 5,49
